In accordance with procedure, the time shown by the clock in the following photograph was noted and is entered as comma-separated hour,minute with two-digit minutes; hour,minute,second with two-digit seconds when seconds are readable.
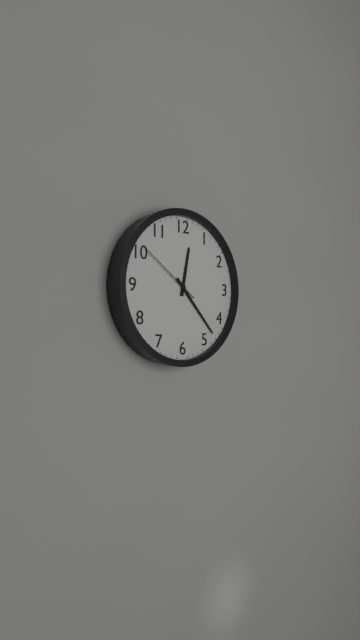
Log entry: 12,23,51
